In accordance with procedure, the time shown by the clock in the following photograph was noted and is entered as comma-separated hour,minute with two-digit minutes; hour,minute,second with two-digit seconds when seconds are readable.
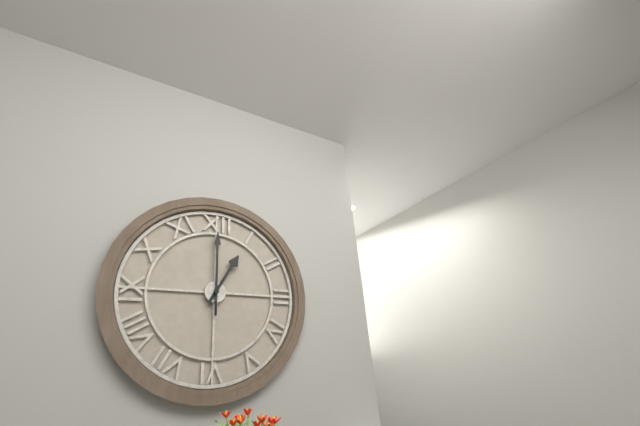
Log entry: 1,00
